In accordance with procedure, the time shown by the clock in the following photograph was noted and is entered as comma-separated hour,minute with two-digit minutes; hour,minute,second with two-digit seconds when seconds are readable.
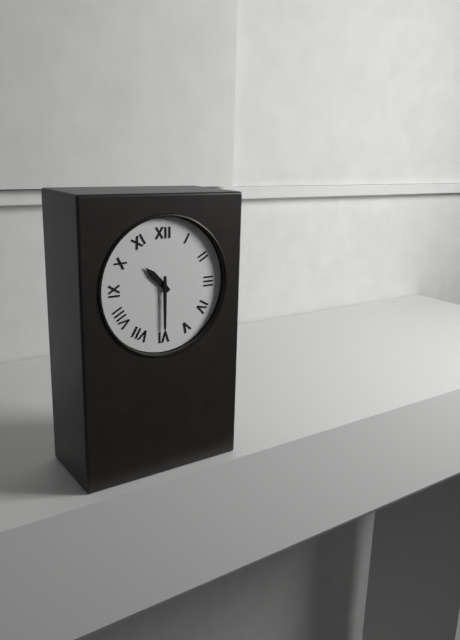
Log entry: 10,30
